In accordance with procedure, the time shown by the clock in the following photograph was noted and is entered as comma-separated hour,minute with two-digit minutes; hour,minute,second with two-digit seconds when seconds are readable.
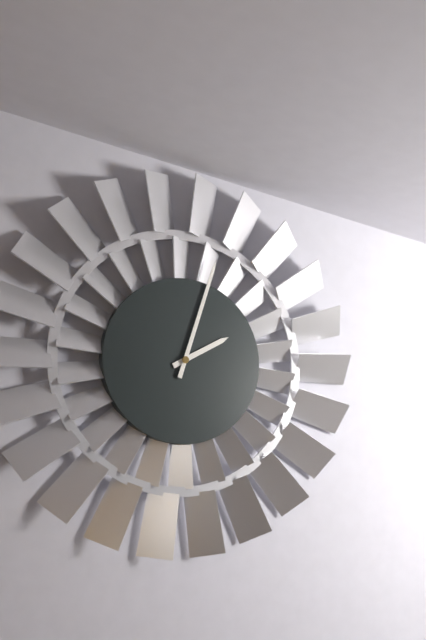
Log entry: 2,03
